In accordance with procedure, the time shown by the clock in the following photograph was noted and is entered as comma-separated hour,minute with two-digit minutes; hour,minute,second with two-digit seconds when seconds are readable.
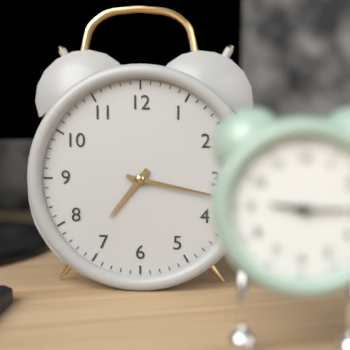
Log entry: 7,17
